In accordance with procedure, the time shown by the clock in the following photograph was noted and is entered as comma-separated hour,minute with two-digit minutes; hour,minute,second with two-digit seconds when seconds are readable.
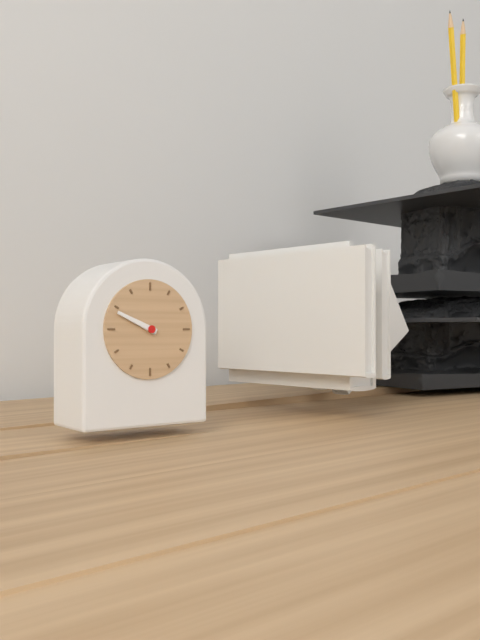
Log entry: 9,49
